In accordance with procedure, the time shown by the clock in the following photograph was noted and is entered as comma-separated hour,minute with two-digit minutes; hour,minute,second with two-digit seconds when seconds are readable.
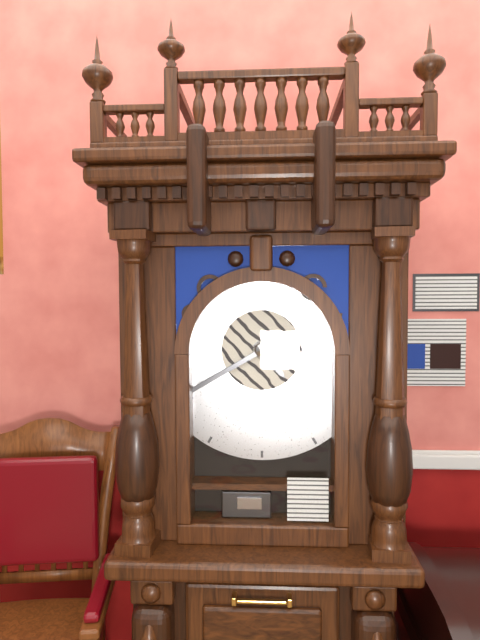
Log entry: 4,40
